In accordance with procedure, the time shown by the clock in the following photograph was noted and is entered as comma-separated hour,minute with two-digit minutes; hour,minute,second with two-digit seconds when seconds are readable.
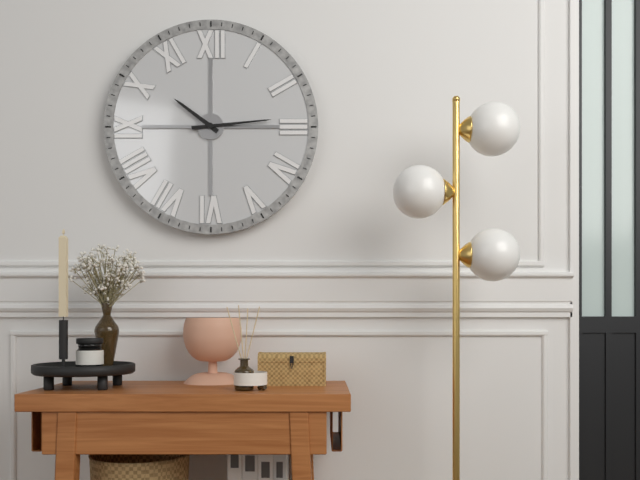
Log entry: 10,14
